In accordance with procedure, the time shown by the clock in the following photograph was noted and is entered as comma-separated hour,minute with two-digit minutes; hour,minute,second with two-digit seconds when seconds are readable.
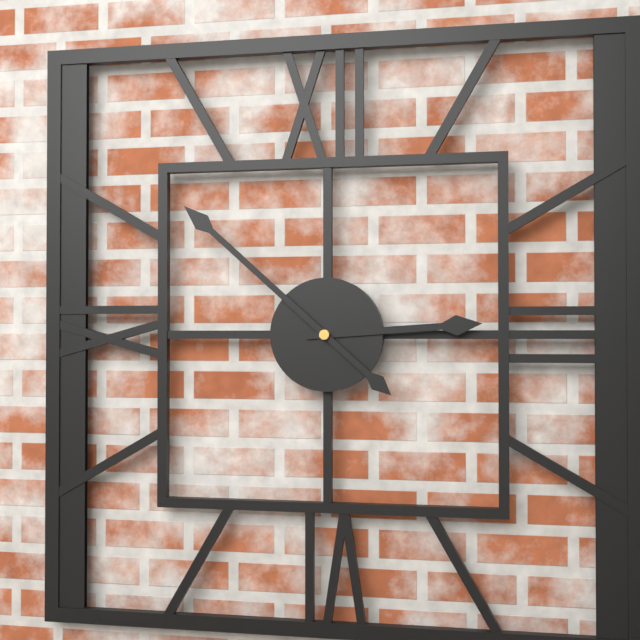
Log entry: 2,52
